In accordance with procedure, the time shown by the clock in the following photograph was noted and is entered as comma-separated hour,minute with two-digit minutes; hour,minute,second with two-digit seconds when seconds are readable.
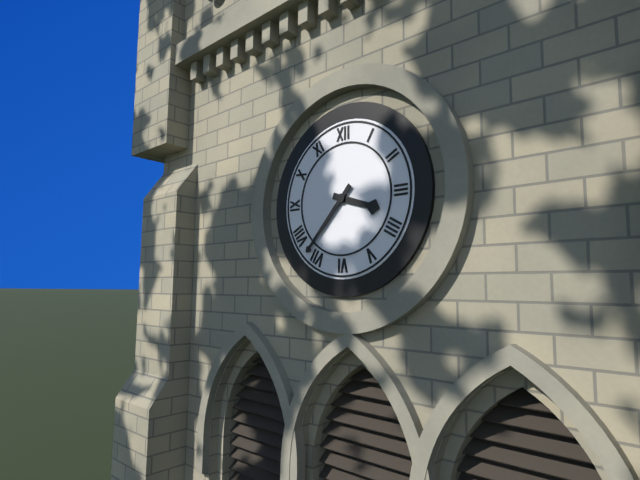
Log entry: 3,37
